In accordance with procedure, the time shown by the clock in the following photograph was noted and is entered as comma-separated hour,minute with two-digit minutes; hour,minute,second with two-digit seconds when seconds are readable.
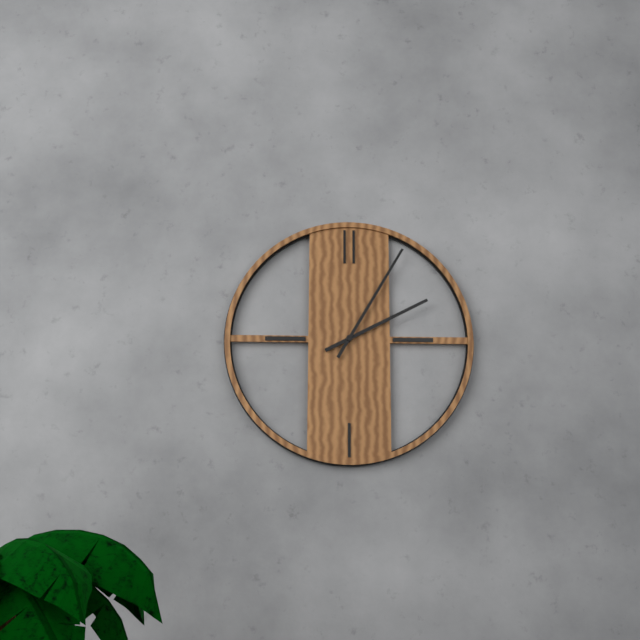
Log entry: 2,05
